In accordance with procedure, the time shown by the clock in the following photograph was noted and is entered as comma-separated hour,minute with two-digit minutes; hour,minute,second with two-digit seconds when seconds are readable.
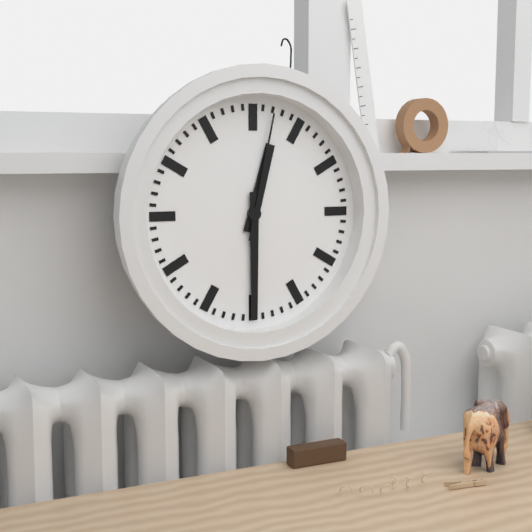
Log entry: 12,30,02
